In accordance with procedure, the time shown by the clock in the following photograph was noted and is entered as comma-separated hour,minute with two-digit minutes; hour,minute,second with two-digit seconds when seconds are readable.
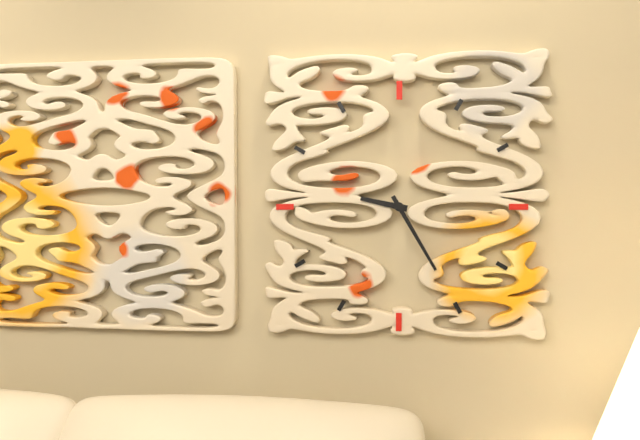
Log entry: 9,25
